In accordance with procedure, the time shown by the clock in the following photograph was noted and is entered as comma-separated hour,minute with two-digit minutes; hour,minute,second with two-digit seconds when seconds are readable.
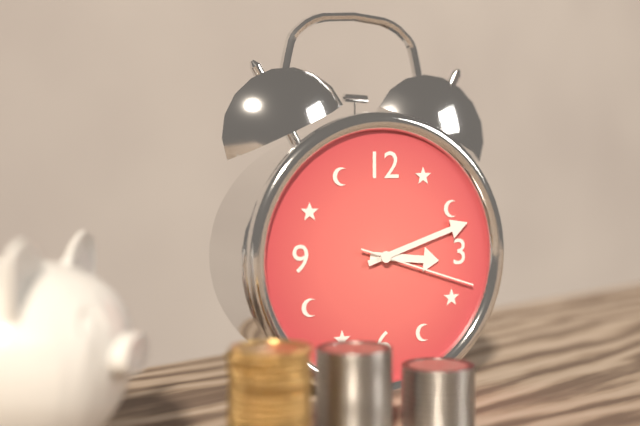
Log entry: 3,12,18
